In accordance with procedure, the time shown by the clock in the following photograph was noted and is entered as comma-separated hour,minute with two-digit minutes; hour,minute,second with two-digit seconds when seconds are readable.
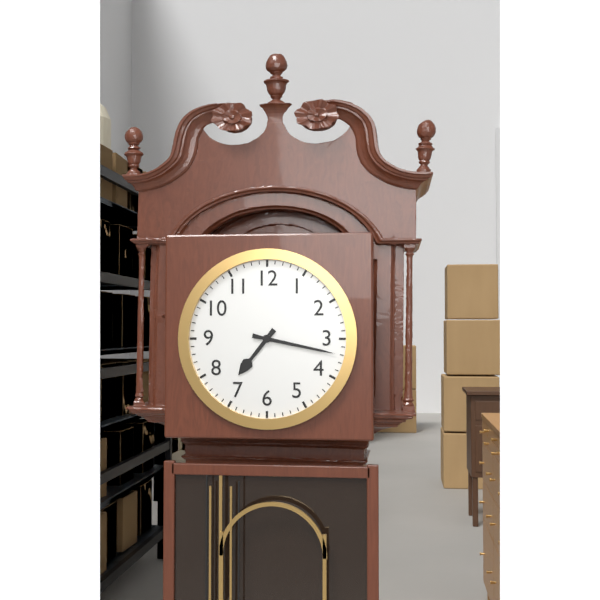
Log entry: 7,17
